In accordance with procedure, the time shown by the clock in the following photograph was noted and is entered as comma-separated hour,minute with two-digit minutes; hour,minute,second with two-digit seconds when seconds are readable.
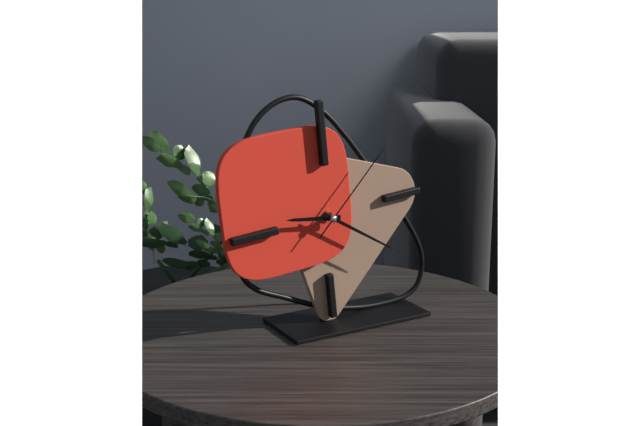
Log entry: 9,21,08
